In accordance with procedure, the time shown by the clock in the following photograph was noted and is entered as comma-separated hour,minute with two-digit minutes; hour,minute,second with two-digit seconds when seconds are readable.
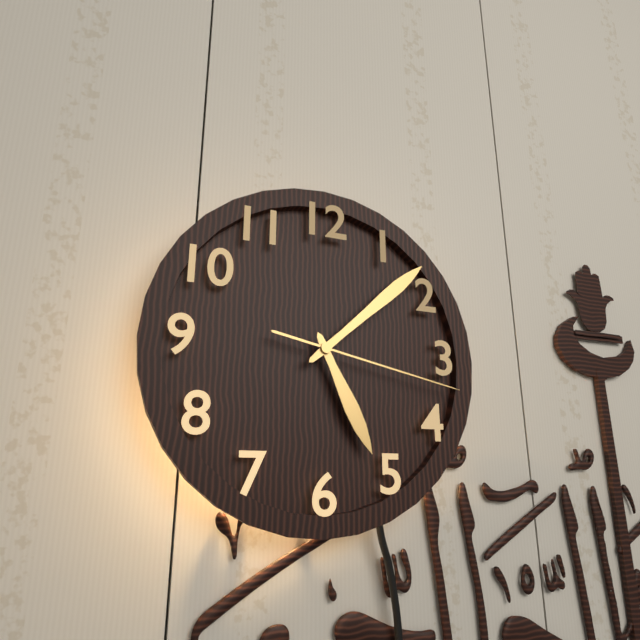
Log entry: 5,08,17
